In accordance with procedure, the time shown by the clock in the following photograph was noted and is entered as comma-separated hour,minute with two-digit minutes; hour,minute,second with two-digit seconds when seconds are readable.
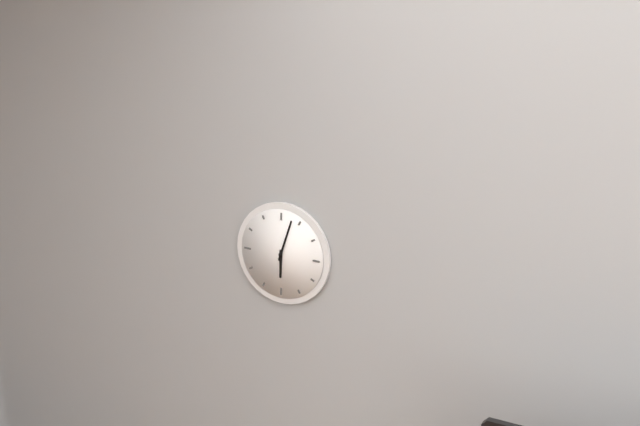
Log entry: 6,03
